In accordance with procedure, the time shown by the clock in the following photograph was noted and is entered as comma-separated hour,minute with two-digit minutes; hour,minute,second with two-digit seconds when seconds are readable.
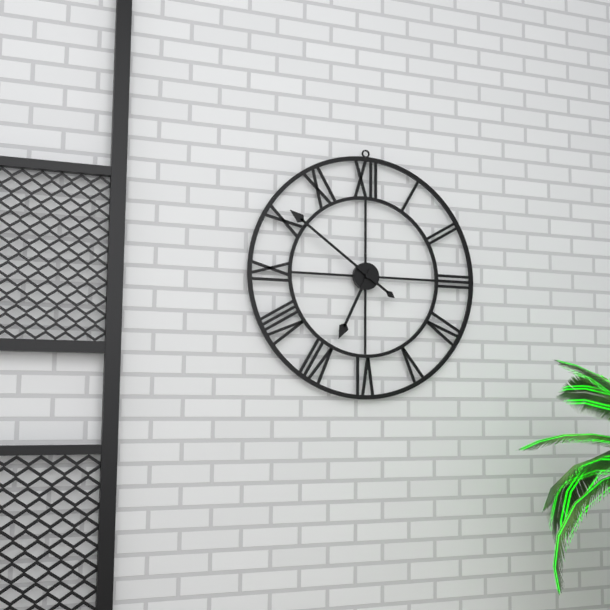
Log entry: 6,51
